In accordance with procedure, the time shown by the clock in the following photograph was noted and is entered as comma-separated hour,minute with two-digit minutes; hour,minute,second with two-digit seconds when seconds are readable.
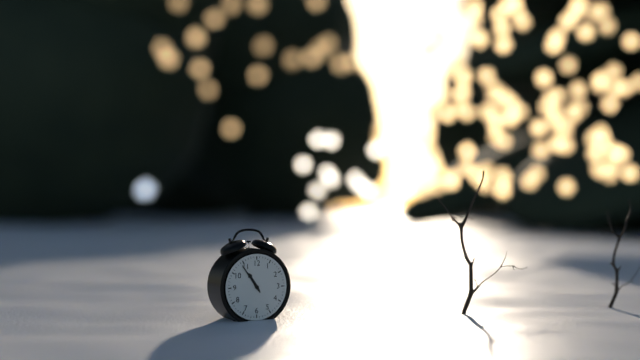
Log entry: 10,54
